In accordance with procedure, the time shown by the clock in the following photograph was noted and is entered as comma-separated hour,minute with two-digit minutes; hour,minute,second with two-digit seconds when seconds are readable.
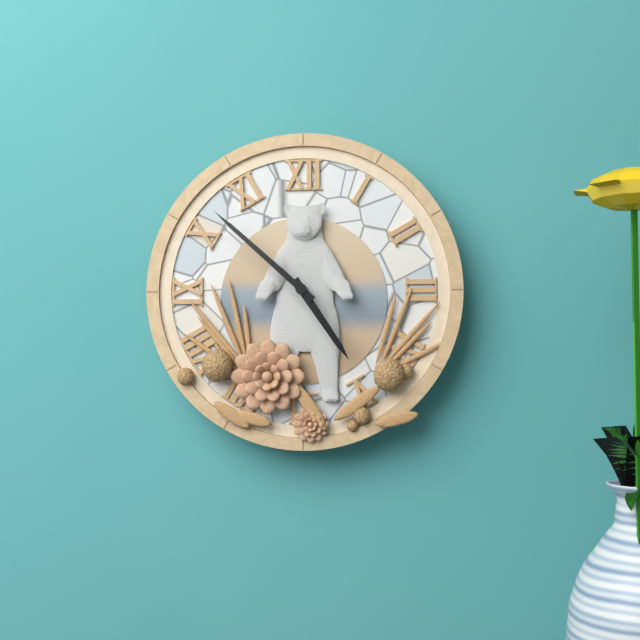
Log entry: 4,52
